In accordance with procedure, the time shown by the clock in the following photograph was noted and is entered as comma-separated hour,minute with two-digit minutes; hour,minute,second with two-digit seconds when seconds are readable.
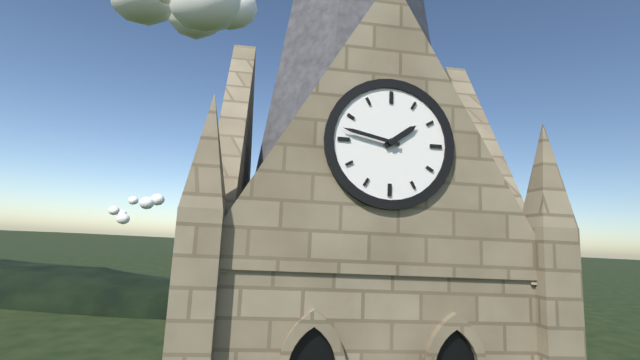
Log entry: 1,47
